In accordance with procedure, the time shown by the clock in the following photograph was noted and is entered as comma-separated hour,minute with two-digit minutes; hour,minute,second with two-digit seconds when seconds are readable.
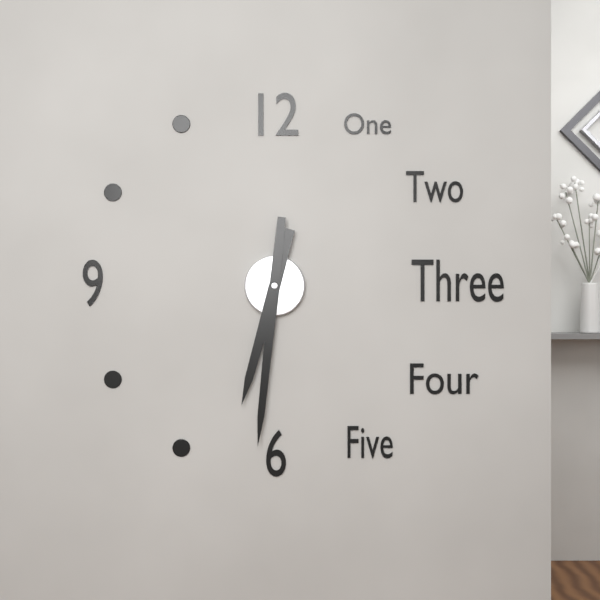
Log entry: 6,31
